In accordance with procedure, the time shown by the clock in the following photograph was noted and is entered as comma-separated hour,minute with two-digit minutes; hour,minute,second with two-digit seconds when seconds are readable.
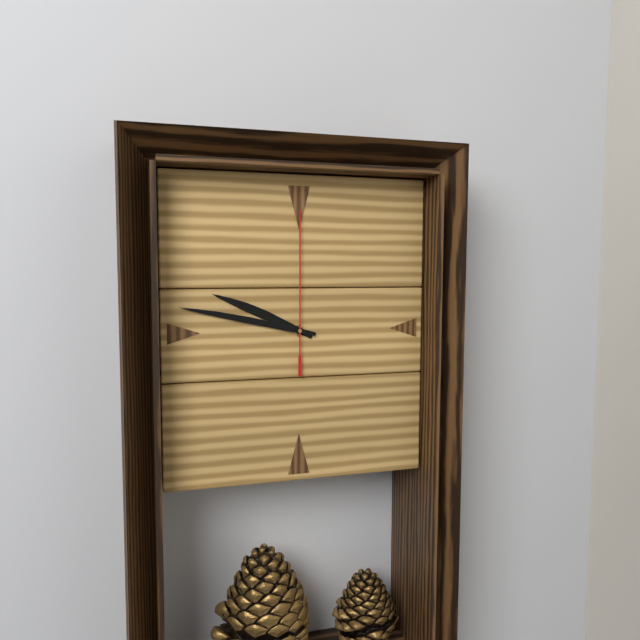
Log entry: 9,47,00
